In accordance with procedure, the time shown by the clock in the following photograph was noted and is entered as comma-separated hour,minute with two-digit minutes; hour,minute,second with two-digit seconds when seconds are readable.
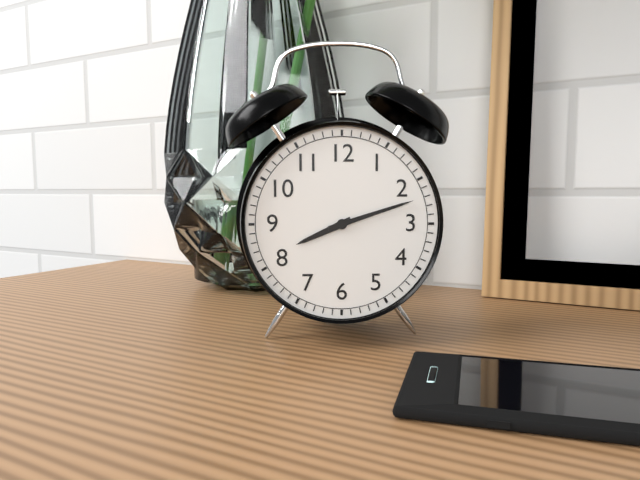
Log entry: 8,12
